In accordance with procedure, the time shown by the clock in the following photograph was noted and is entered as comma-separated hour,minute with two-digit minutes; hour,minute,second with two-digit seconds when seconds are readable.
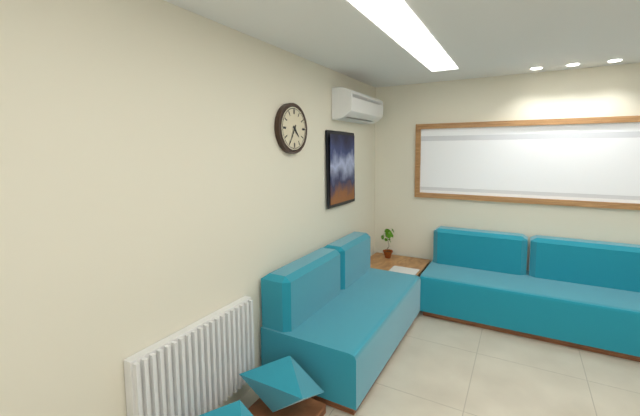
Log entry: 4,35
